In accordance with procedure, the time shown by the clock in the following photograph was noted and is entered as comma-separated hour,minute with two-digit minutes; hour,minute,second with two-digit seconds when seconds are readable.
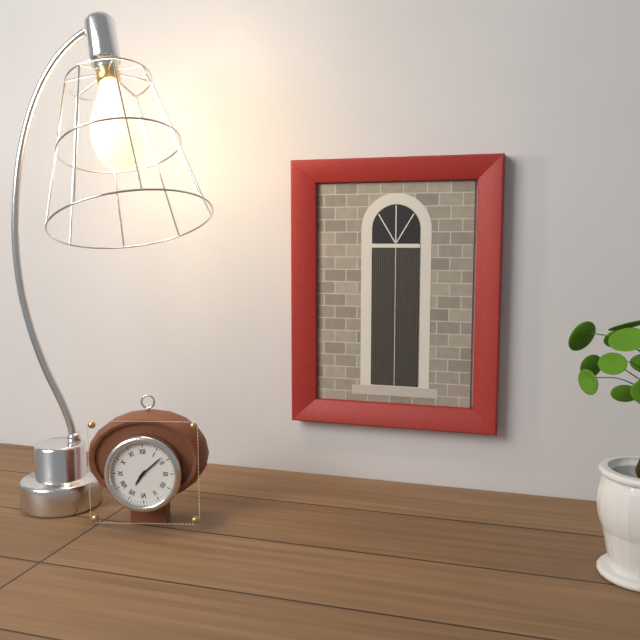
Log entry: 7,08
